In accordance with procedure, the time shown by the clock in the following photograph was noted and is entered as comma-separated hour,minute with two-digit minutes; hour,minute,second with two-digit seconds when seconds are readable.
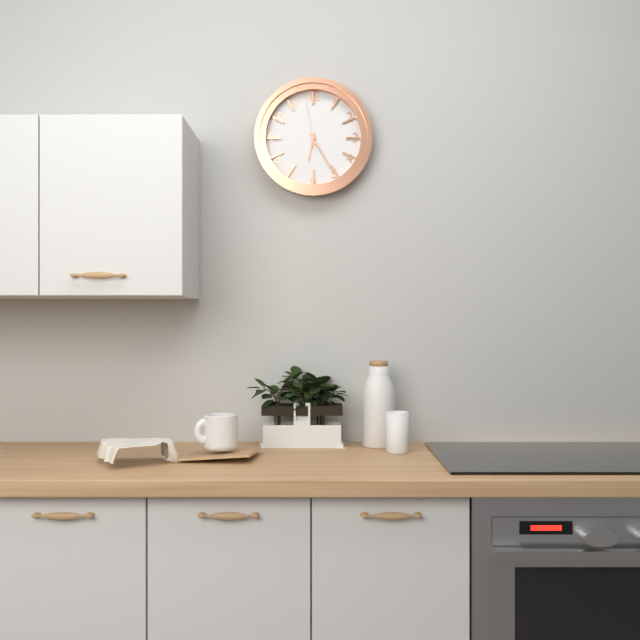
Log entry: 6,25,58
